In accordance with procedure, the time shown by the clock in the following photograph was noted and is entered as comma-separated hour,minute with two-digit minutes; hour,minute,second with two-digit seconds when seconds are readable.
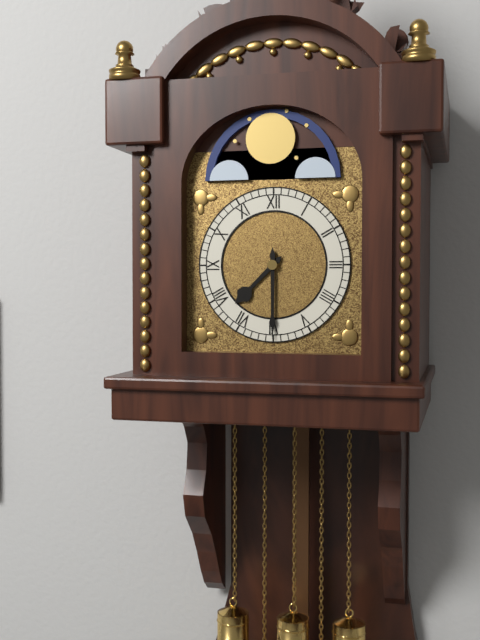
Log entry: 7,30
